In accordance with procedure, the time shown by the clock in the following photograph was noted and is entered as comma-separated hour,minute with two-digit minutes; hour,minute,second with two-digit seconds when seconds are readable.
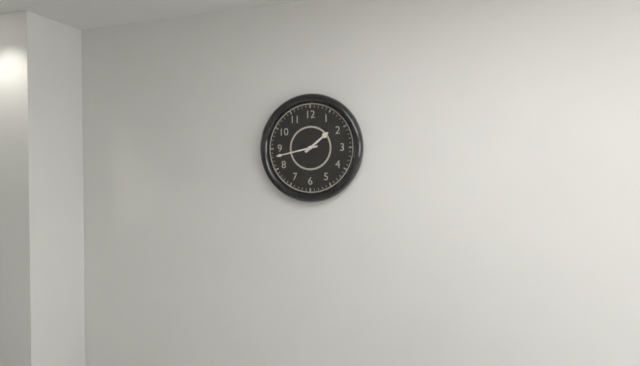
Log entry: 1,43
